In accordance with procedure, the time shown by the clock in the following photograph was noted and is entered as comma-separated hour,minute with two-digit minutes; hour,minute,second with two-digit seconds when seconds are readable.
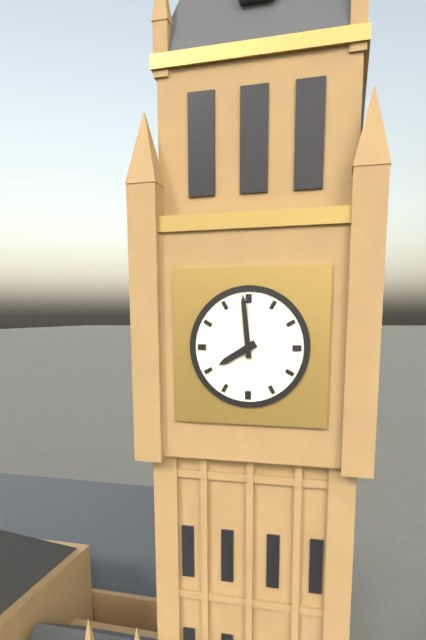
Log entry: 7,59
